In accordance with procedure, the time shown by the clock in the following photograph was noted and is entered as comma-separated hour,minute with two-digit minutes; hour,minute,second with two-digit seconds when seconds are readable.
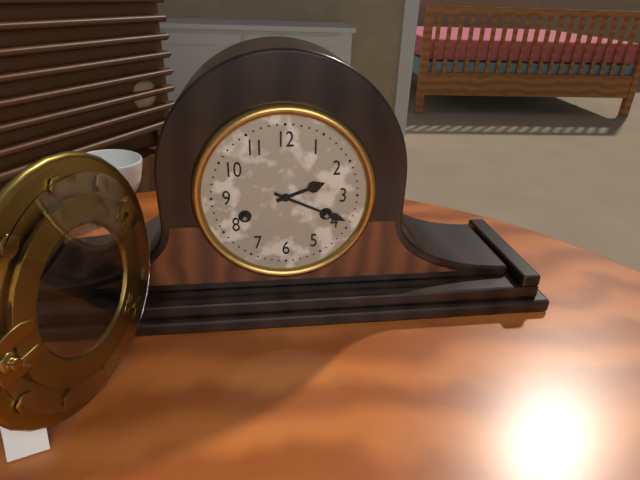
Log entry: 2,19
